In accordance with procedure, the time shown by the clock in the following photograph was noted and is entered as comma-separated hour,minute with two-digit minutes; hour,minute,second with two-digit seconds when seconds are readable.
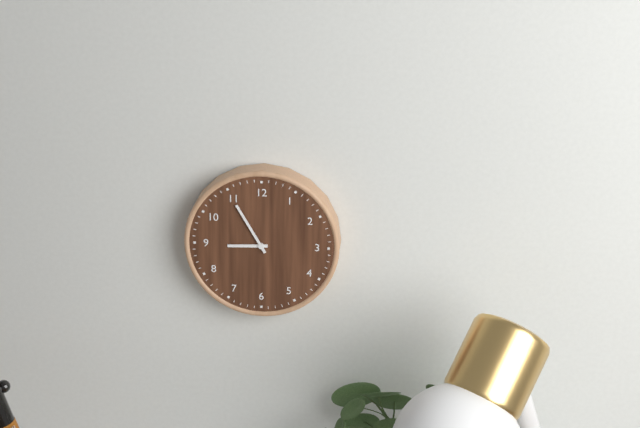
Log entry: 8,55
